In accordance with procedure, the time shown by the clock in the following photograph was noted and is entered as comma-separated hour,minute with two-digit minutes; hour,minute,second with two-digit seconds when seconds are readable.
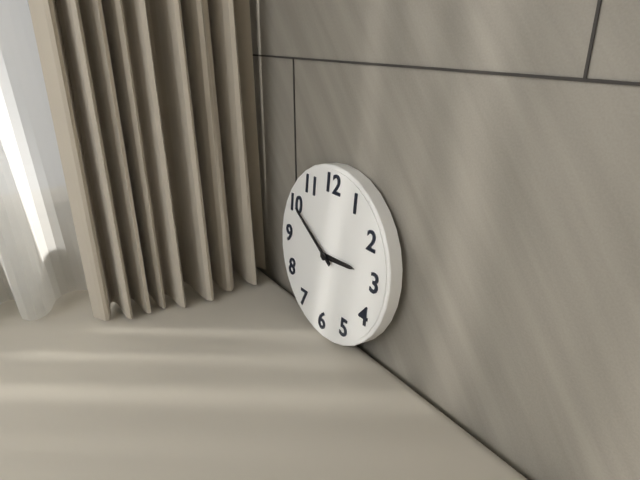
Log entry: 2,50
